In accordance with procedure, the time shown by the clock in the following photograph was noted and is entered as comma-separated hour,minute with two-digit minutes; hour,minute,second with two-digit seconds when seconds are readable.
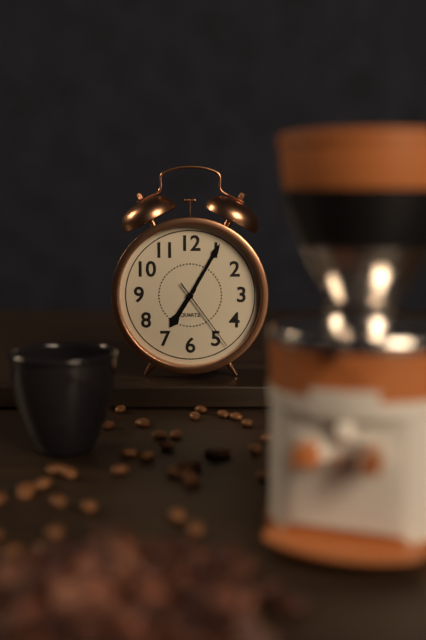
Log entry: 7,05,24
